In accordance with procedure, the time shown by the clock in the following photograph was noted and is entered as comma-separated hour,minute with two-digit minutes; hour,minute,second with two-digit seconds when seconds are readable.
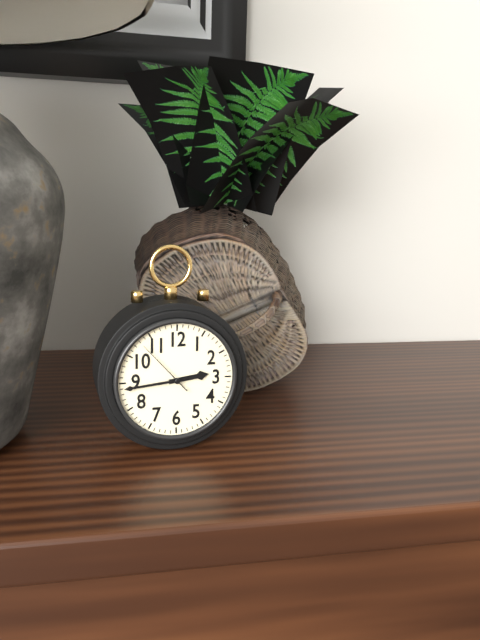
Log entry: 2,44,53
